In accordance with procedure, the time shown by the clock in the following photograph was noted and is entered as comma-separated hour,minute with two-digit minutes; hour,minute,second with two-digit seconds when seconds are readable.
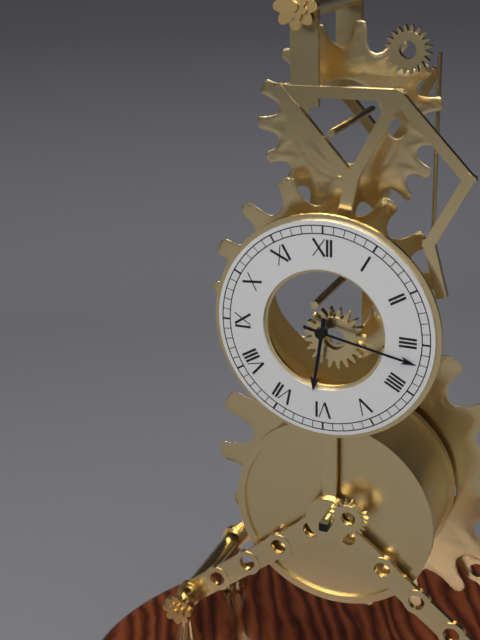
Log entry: 6,17
